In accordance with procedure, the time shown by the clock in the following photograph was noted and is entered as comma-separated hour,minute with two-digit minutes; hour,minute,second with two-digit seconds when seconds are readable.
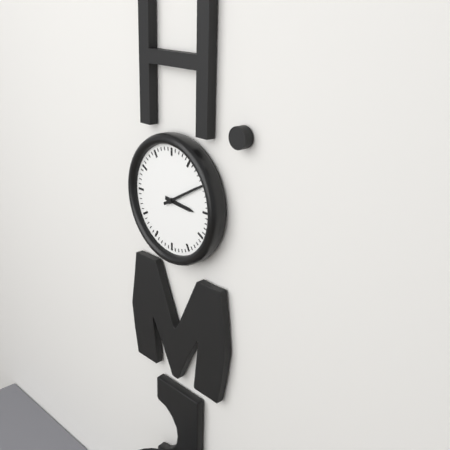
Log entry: 3,10
